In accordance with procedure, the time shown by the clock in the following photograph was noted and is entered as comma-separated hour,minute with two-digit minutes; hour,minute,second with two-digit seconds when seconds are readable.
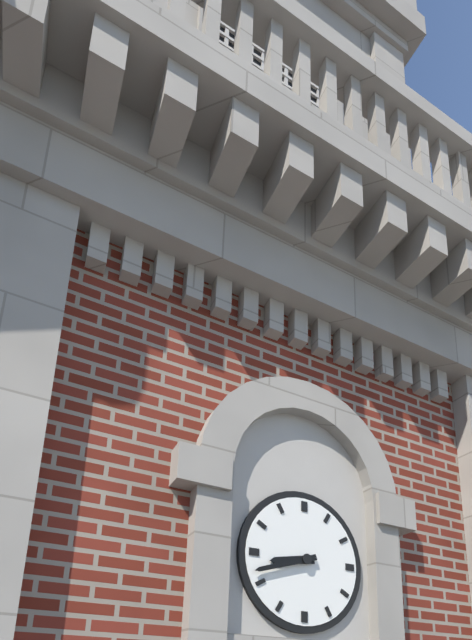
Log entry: 8,42
